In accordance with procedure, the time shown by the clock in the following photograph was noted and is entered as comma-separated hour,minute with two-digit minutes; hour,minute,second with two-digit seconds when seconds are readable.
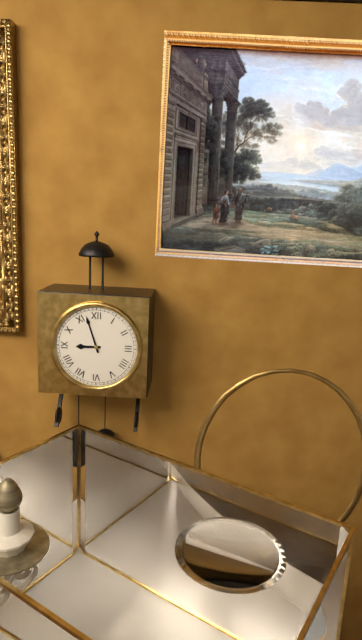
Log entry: 8,57
